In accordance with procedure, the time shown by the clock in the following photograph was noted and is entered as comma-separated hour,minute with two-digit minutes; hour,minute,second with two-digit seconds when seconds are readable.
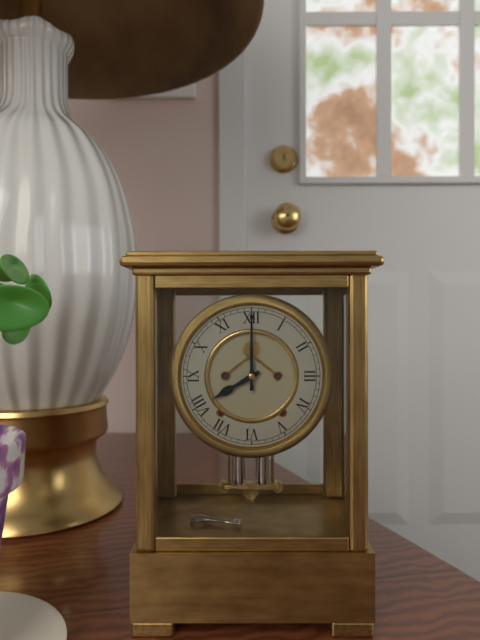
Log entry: 8,00
